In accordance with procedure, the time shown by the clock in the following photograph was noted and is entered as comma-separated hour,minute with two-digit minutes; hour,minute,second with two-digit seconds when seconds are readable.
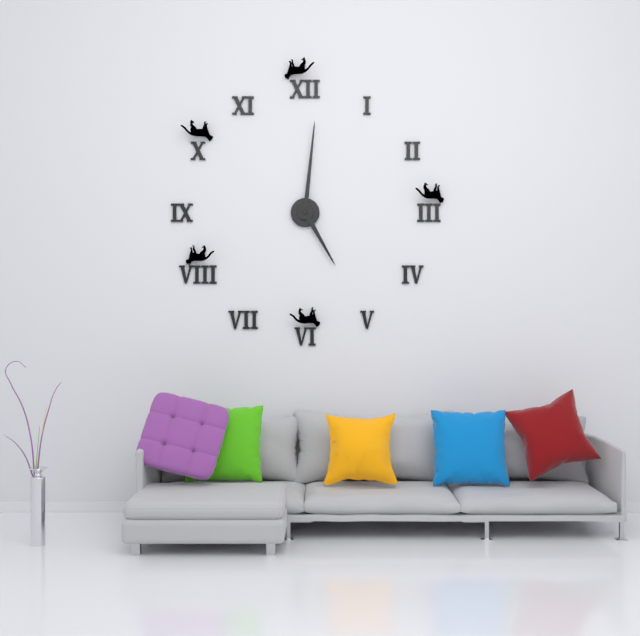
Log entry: 5,01
